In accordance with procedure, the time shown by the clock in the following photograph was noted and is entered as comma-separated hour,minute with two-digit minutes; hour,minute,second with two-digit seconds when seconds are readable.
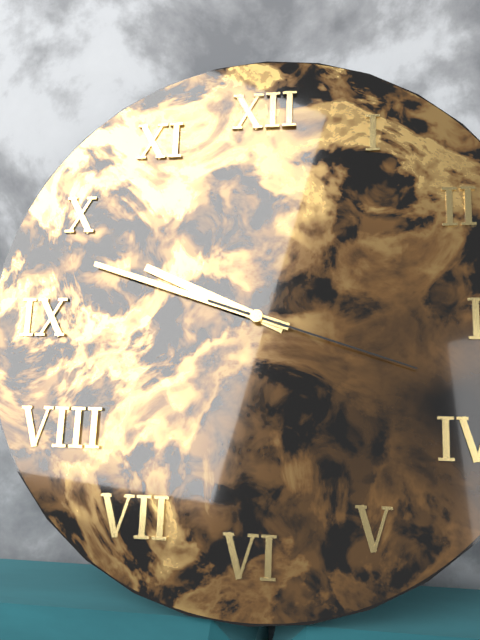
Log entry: 9,48,18
